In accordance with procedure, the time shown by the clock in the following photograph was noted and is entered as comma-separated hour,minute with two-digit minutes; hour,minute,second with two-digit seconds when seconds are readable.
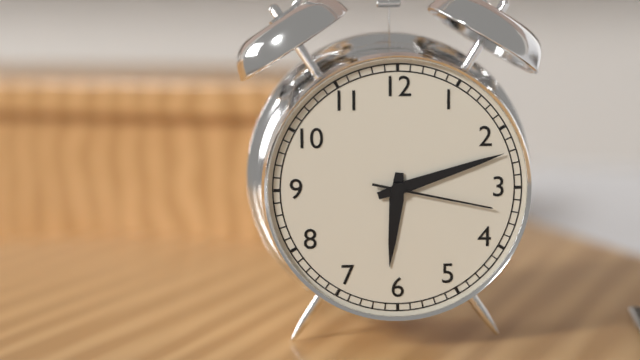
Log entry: 6,12,17
